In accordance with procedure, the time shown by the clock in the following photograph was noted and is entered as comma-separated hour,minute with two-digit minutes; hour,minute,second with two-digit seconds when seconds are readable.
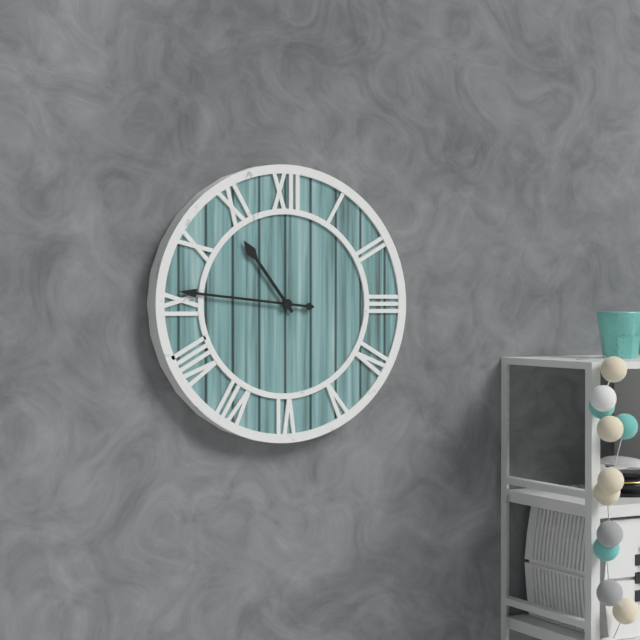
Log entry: 10,46
